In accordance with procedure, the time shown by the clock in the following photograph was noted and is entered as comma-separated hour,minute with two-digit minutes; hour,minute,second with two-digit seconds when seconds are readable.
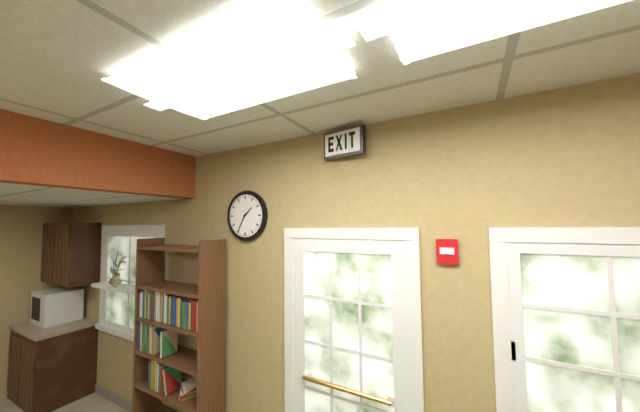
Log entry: 1,35
